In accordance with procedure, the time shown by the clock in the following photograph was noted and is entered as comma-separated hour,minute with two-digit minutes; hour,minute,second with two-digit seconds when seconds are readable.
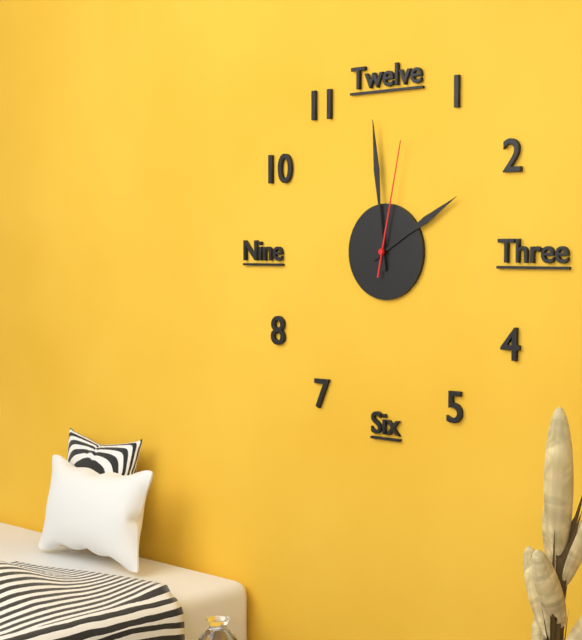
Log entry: 1,59,02
